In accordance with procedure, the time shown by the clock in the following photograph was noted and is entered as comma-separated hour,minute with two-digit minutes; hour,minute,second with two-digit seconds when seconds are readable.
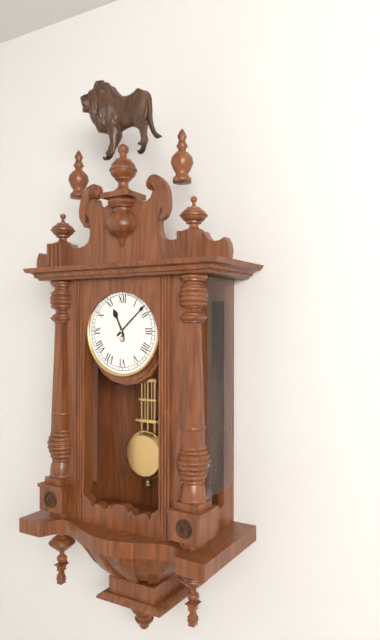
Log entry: 11,08
